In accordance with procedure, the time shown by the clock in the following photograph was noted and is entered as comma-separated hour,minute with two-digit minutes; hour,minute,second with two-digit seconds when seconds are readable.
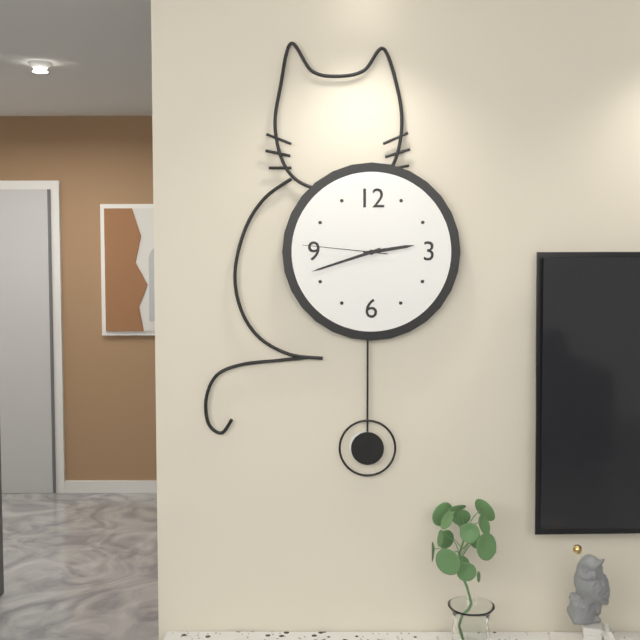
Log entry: 2,42,46
